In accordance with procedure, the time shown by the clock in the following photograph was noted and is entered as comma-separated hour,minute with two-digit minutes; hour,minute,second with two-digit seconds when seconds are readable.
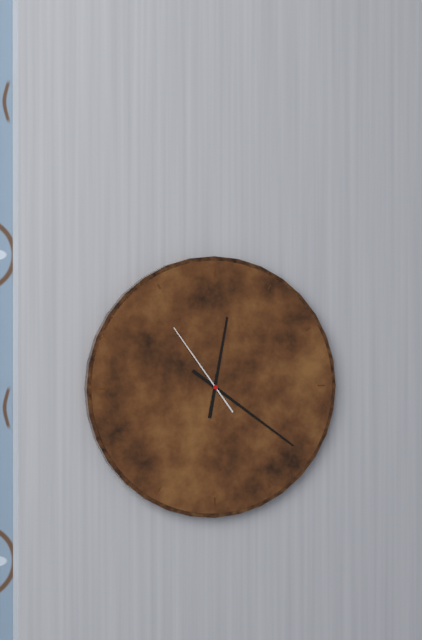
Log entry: 12,21,54
